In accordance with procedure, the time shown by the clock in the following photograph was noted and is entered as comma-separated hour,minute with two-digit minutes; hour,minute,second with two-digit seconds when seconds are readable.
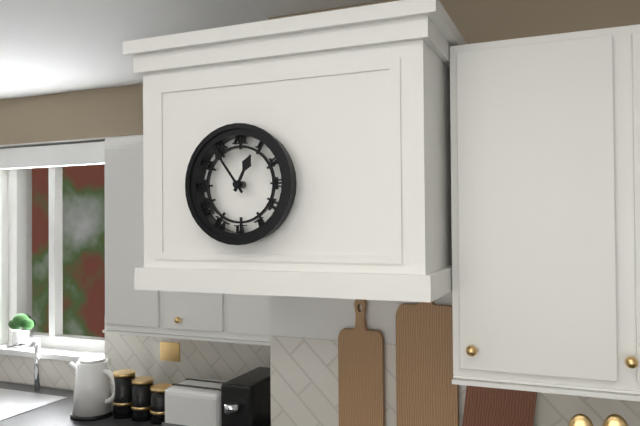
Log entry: 12,54
